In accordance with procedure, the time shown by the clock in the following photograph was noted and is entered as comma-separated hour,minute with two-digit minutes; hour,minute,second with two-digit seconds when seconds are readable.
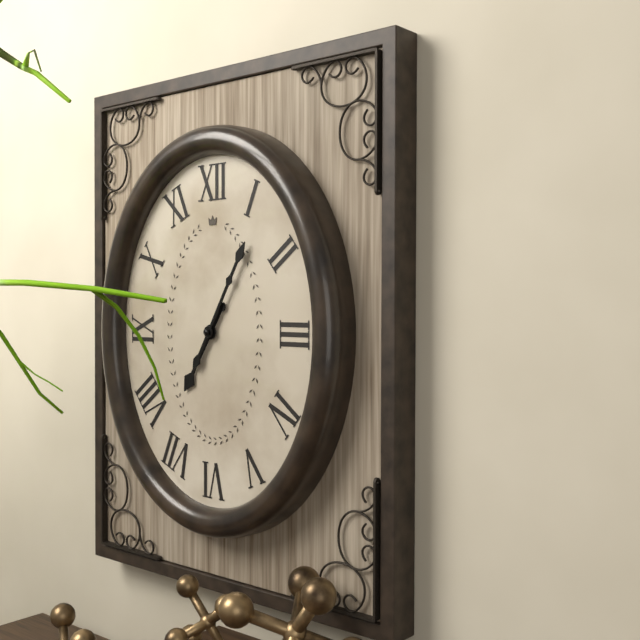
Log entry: 7,05
